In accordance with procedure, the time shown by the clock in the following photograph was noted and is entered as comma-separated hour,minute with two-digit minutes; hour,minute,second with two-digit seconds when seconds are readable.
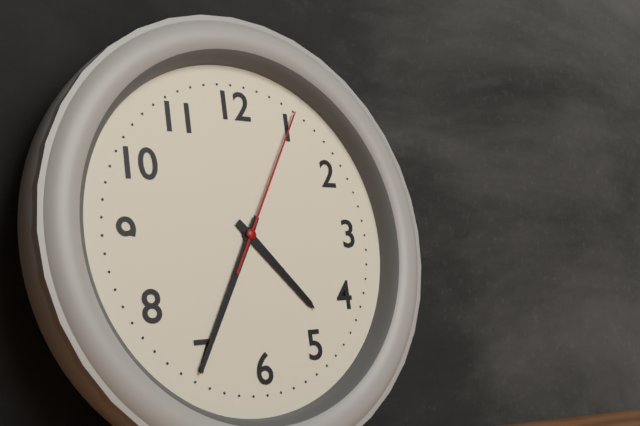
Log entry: 4,35,05
